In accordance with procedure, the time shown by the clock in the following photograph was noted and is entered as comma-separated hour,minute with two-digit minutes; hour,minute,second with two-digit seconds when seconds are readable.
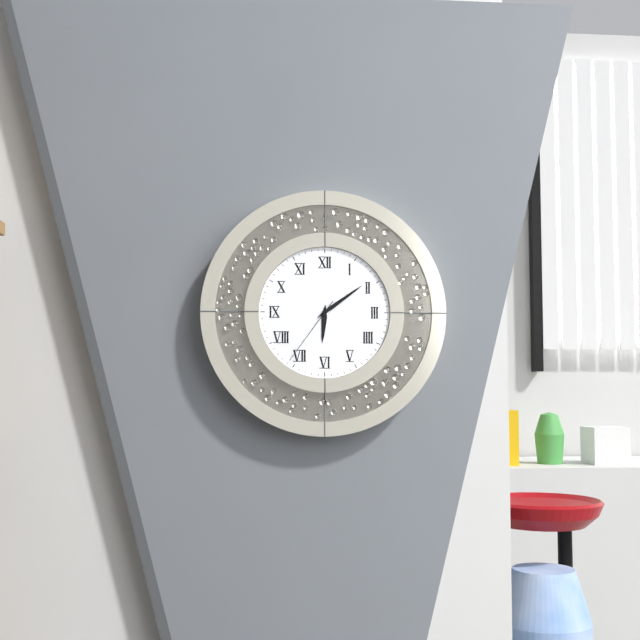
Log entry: 6,09,36
